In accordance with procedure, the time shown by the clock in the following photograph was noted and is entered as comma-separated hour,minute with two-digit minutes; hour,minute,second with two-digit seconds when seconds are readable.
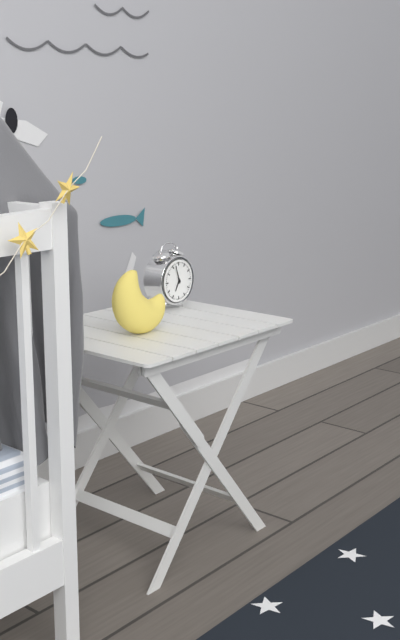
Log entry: 6,57
